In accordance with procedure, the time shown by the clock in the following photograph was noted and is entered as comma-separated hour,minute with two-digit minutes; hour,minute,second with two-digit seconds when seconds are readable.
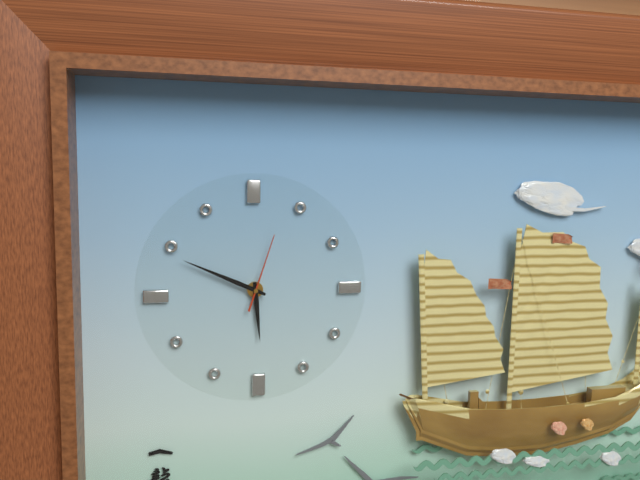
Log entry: 5,49,03
